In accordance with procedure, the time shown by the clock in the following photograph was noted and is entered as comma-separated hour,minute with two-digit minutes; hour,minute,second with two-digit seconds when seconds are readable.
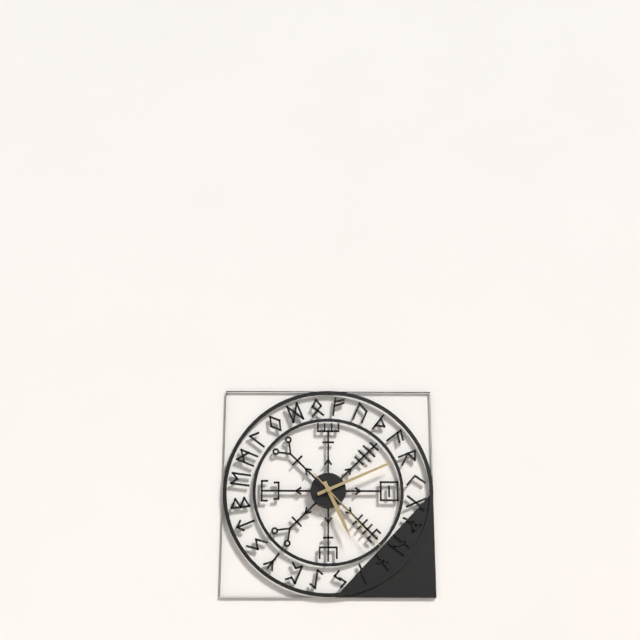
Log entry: 5,11,23
